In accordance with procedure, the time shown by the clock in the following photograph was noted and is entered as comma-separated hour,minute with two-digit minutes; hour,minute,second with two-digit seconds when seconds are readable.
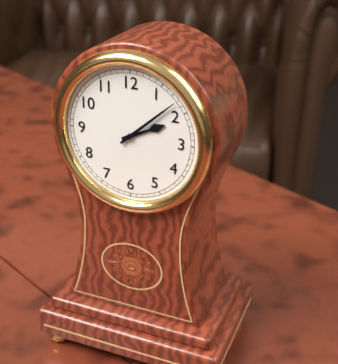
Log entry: 2,08
